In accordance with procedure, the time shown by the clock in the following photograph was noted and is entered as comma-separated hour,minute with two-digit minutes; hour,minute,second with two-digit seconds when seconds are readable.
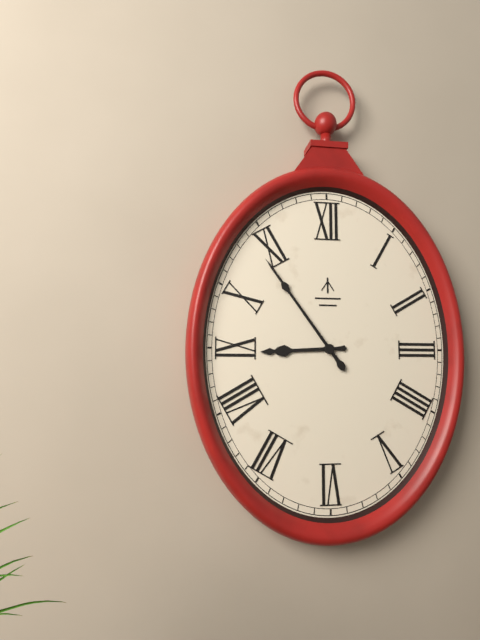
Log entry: 8,54
